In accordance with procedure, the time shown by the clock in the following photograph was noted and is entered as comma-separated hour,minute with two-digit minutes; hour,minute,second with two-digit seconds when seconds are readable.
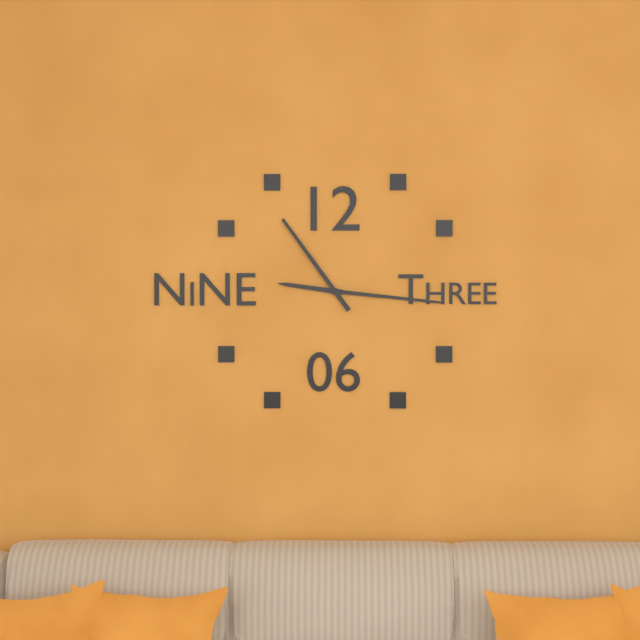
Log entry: 9,16,54
